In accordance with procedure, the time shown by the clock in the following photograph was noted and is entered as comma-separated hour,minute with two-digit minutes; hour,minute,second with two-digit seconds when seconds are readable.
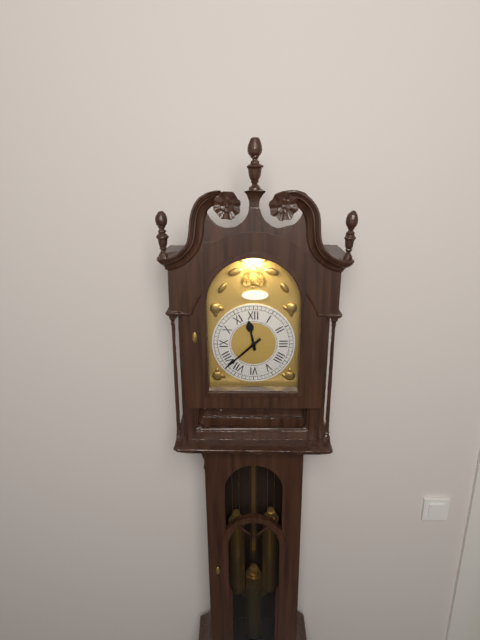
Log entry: 11,38
